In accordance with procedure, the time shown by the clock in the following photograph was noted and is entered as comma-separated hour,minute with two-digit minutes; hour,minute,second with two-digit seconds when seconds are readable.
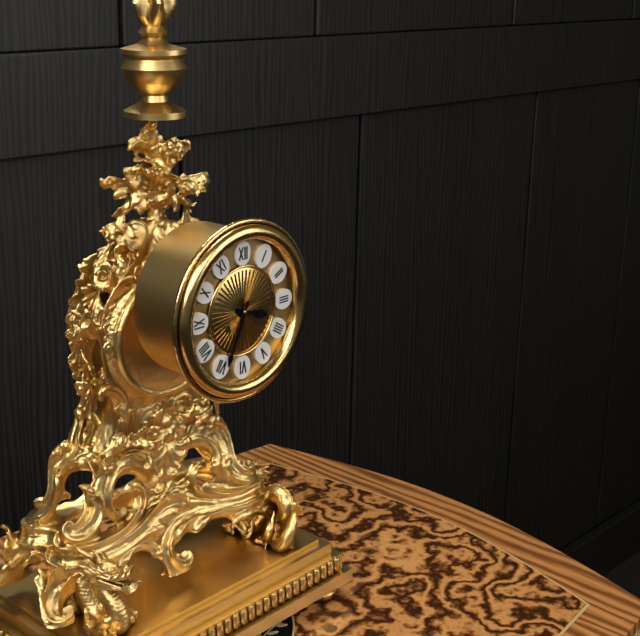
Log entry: 3,34
